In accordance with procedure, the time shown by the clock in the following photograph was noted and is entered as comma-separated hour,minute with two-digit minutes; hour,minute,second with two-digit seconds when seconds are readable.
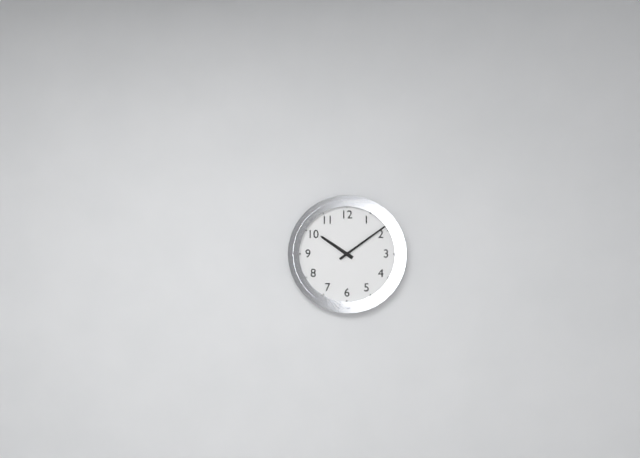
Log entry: 10,09
